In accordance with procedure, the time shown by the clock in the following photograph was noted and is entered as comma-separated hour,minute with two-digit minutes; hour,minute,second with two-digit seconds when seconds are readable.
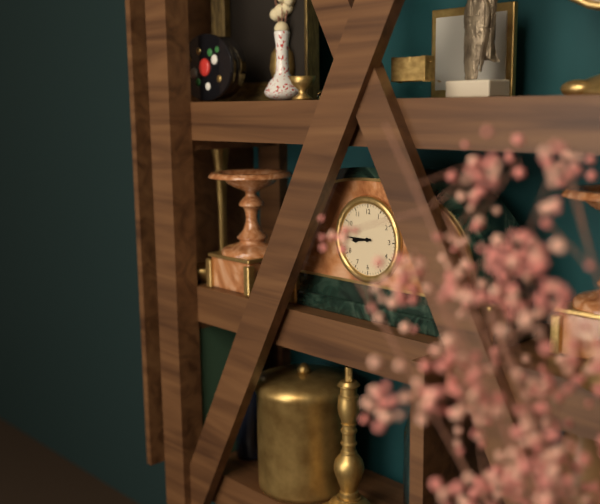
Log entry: 8,45
